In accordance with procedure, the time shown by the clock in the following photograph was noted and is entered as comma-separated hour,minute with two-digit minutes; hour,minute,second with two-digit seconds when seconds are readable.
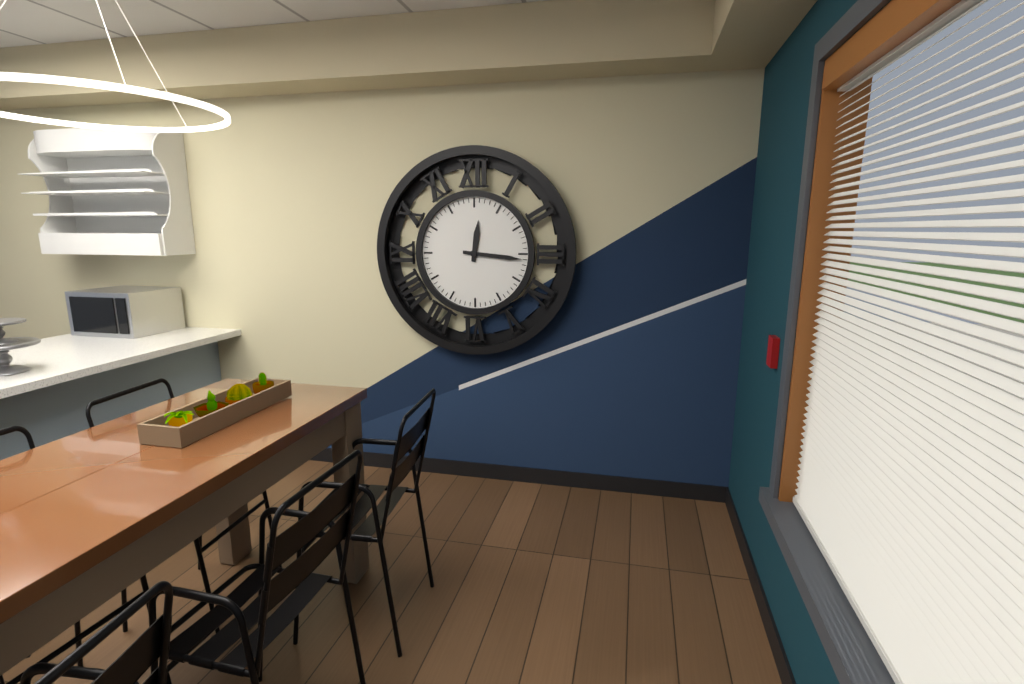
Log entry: 12,16
